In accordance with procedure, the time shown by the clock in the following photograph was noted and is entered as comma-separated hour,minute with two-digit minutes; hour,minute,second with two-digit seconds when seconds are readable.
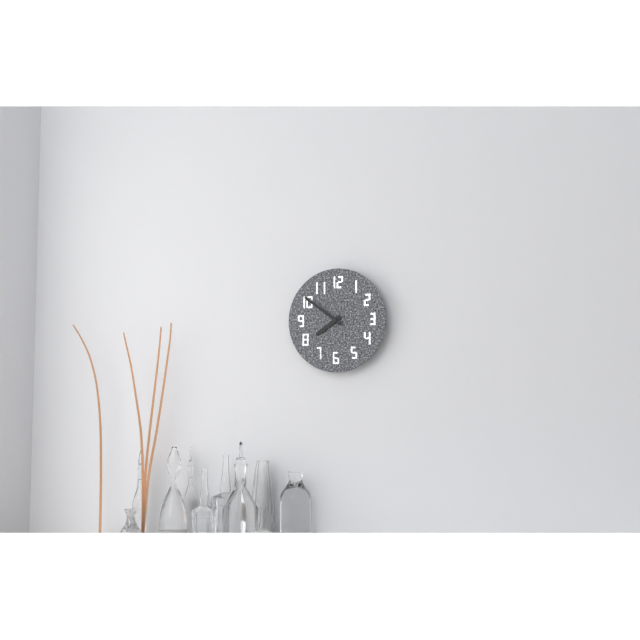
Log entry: 7,51
